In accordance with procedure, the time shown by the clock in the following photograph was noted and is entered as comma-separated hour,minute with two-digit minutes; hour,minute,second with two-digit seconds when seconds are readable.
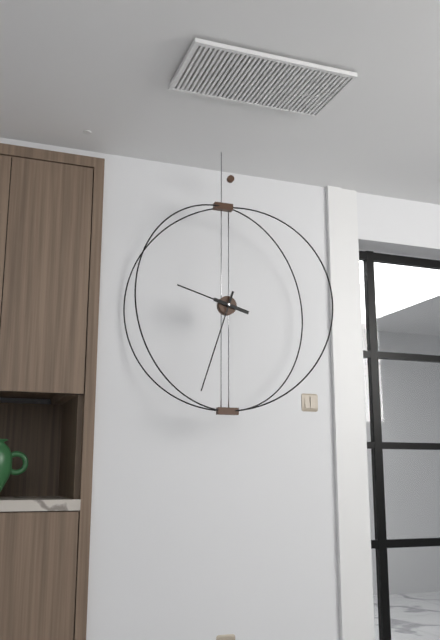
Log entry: 9,33
